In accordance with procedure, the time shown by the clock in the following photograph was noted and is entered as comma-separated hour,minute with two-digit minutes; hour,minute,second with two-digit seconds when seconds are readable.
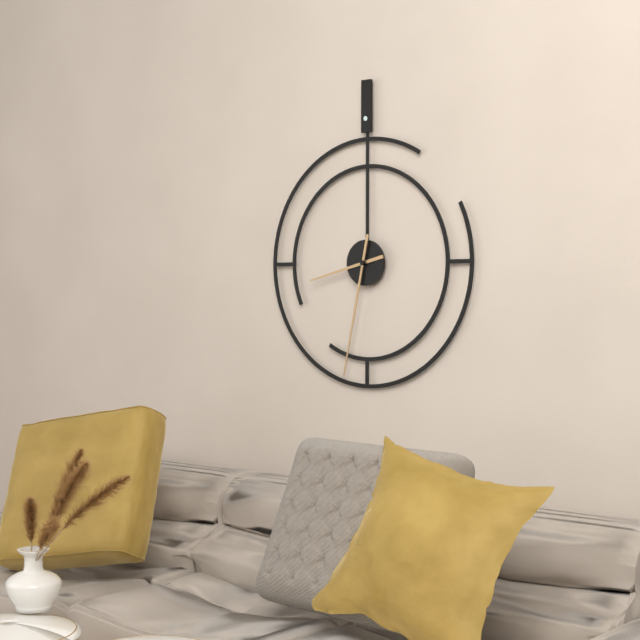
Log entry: 8,32
